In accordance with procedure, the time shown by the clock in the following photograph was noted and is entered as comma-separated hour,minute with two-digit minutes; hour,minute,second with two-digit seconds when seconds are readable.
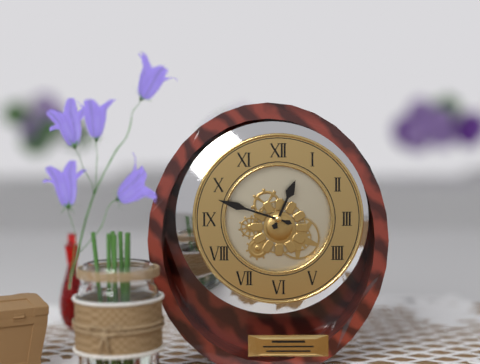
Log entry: 12,48
